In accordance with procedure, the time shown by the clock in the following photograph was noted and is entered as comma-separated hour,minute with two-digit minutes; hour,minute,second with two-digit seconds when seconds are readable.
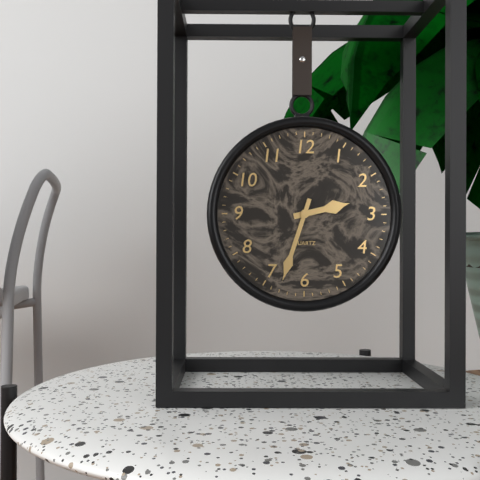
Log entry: 2,33
